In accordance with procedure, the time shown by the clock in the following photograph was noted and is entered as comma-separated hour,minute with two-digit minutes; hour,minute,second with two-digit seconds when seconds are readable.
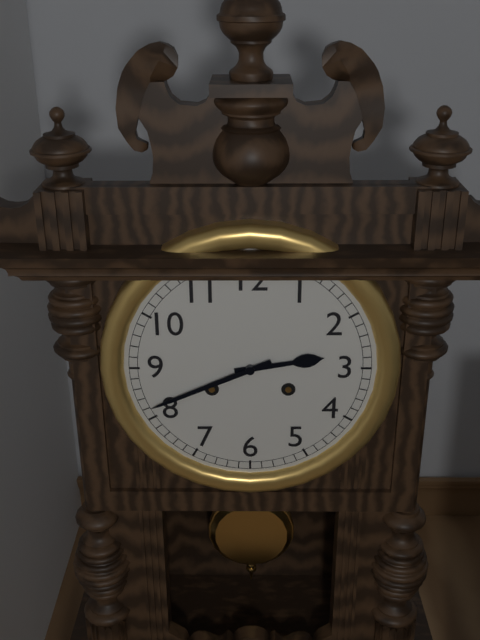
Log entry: 2,41
